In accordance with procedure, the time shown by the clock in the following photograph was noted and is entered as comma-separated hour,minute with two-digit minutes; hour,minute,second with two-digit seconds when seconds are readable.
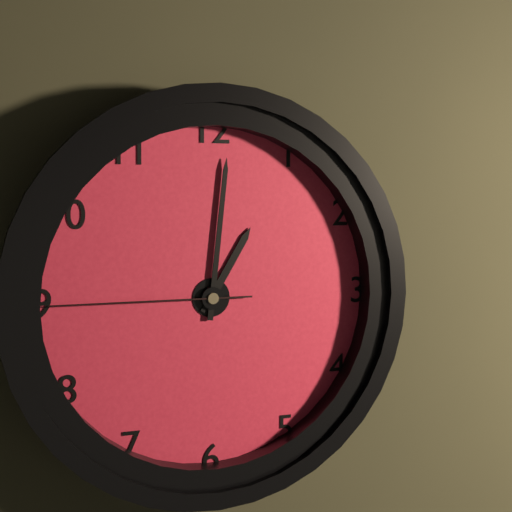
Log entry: 1,01,45
